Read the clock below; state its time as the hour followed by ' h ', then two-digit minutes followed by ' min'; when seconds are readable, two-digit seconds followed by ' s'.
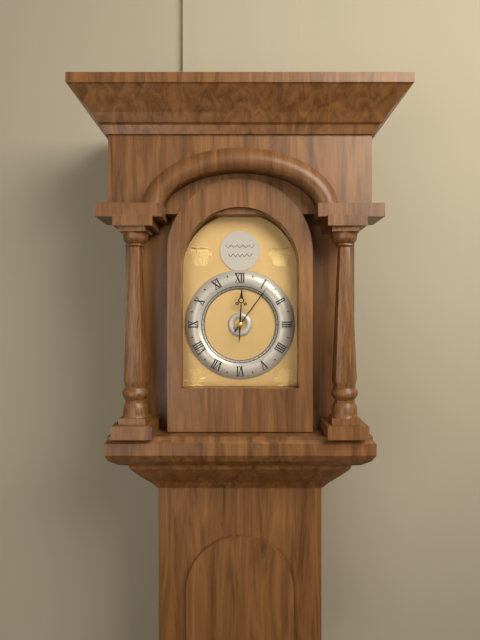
12 h 06 min
